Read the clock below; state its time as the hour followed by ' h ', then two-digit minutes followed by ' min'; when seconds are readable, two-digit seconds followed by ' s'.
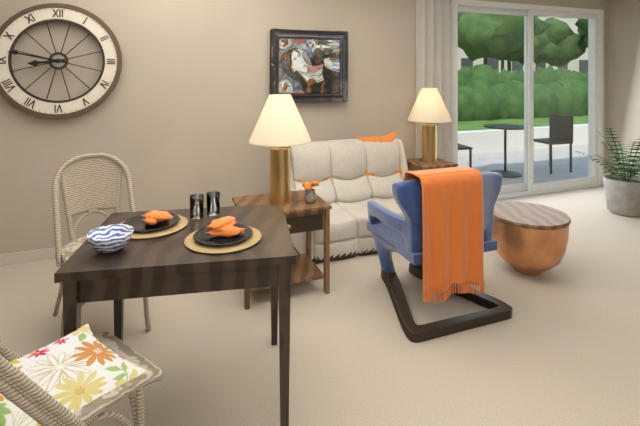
8 h 47 min
